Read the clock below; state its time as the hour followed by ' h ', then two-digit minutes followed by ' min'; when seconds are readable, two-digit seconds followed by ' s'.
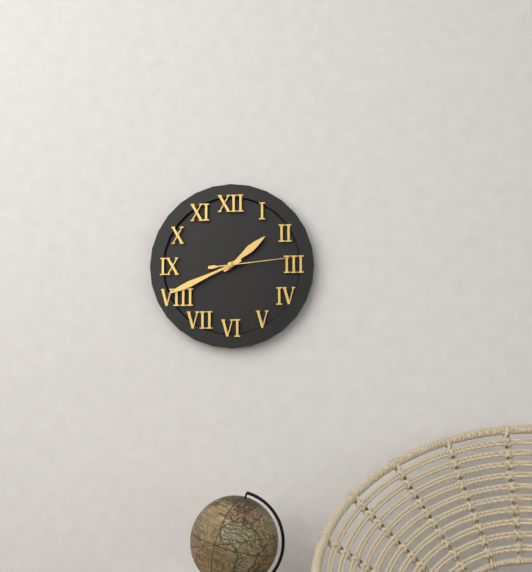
1 h 41 min 14 s
